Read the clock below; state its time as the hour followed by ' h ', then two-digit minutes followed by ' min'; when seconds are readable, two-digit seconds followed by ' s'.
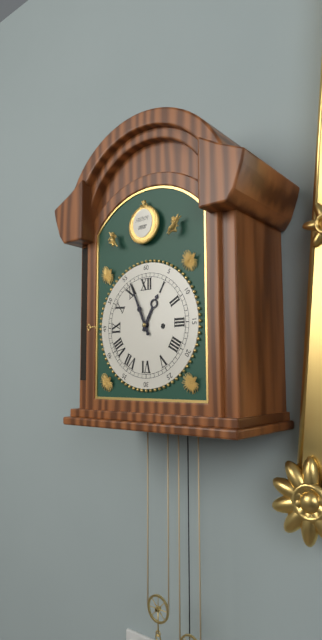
12 h 56 min
